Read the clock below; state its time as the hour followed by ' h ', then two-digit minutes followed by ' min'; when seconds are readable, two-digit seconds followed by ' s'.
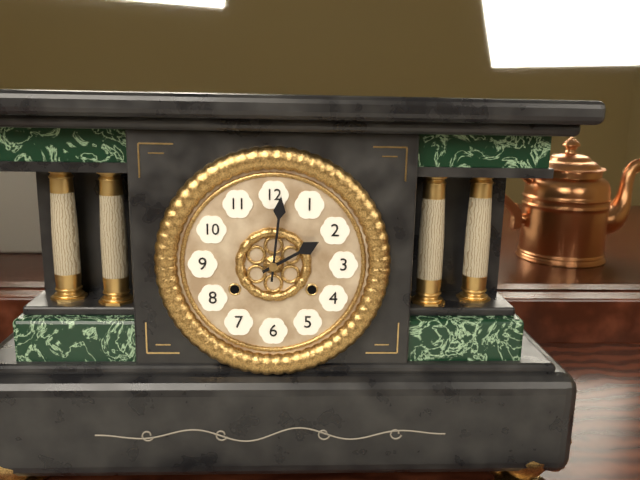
2 h 01 min
